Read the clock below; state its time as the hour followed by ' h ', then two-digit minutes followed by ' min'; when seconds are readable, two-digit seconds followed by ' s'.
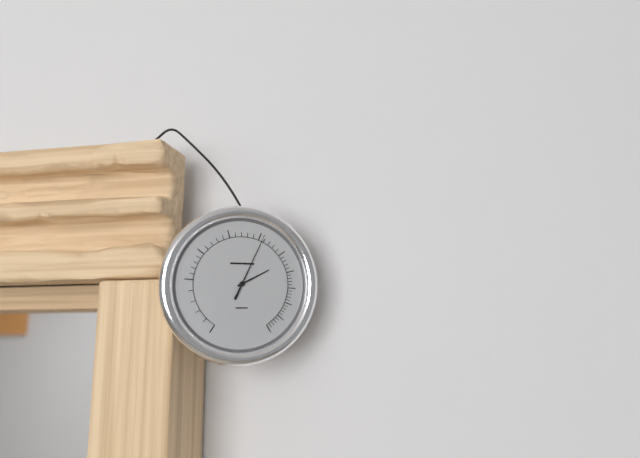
2 h 04 min
